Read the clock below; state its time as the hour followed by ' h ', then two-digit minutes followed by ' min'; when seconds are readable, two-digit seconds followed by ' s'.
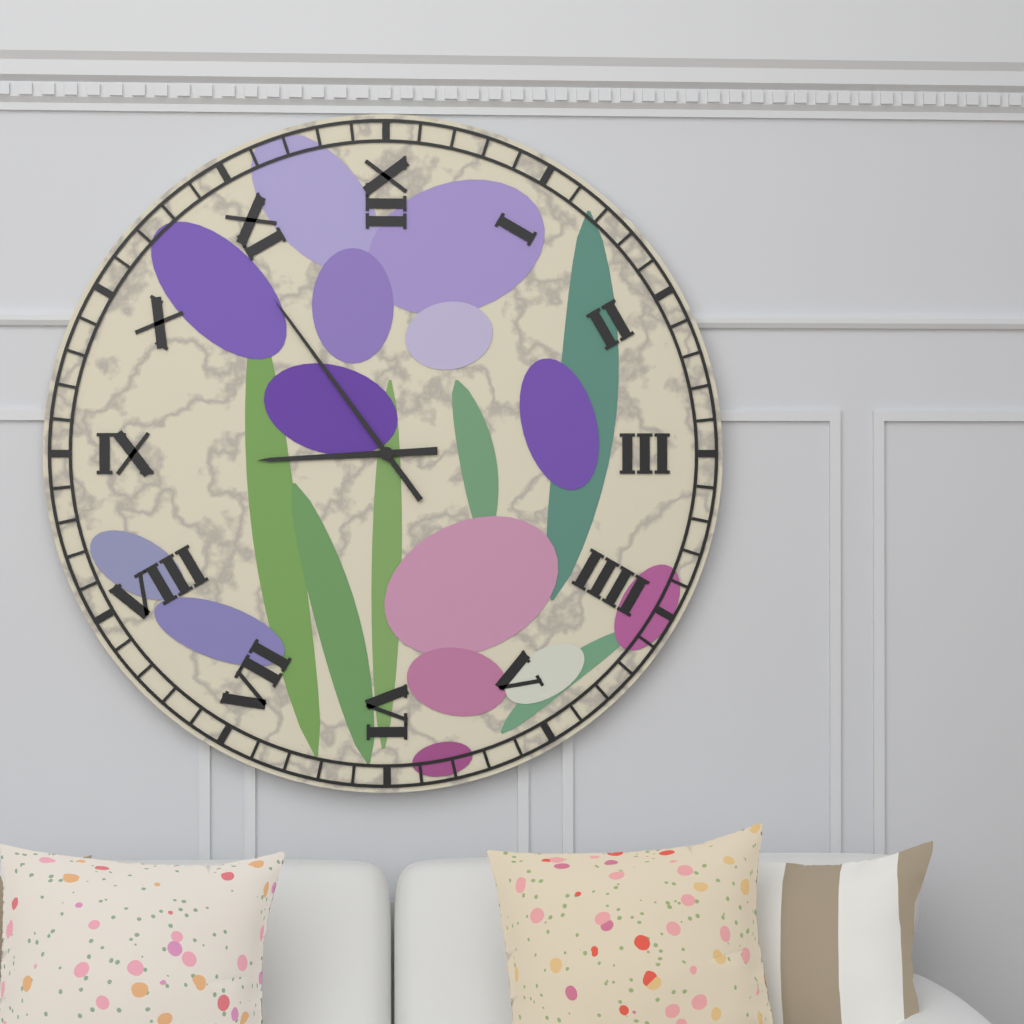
8 h 54 min
